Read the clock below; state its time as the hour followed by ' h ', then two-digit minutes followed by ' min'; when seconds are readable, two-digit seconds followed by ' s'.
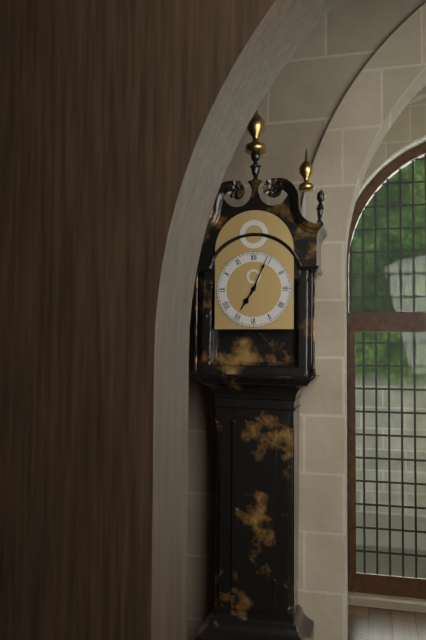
7 h 04 min
